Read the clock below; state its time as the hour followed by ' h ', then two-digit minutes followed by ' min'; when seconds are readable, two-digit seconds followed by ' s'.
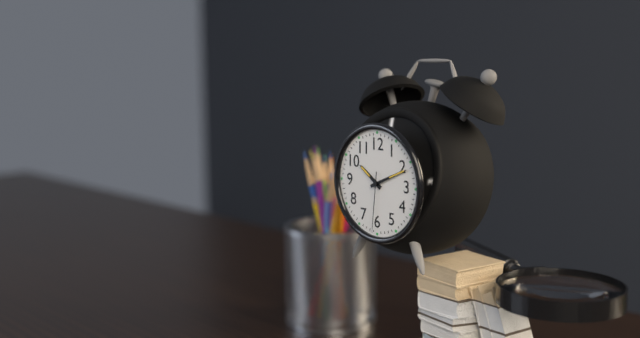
10 h 11 min 31 s
